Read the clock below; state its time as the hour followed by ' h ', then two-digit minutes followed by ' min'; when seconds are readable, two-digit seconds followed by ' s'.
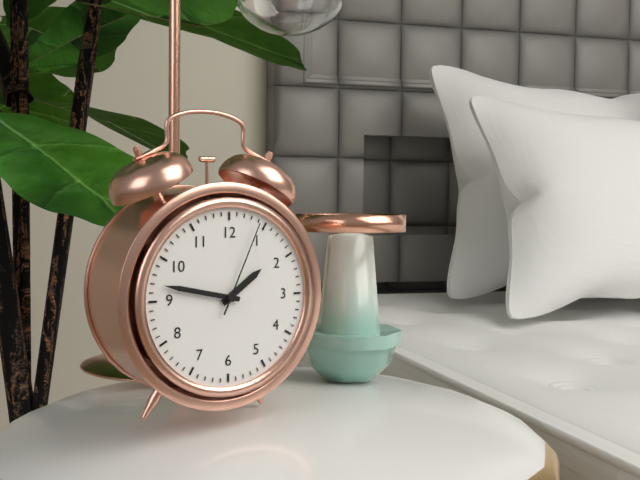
1 h 47 min 04 s
